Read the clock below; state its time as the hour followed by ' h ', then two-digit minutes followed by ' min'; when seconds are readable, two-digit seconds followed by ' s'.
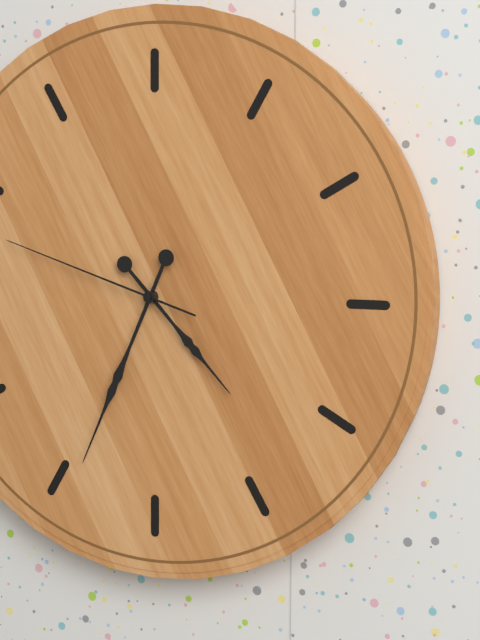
4 h 34 min 48 s
